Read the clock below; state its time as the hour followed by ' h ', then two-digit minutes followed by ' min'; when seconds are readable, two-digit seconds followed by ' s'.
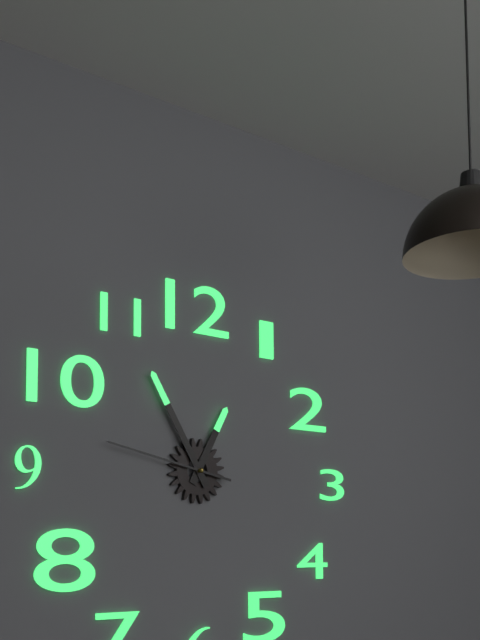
12 h 55 min 47 s
